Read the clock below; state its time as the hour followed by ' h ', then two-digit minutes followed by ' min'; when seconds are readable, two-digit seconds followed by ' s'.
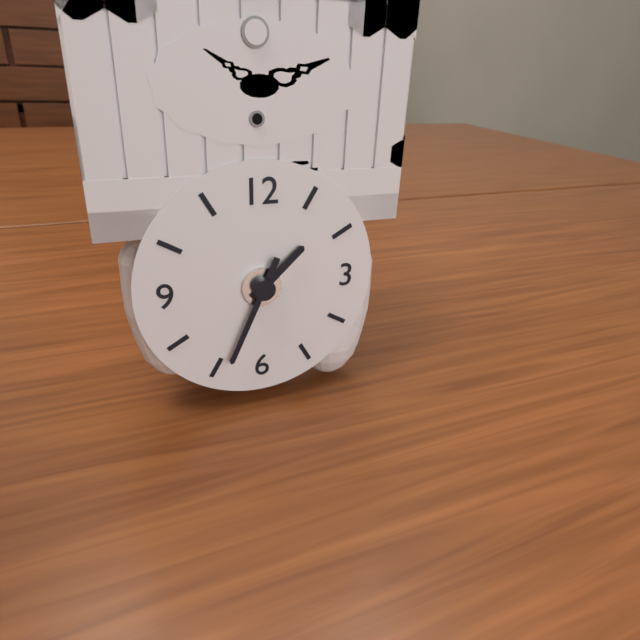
1 h 34 min
